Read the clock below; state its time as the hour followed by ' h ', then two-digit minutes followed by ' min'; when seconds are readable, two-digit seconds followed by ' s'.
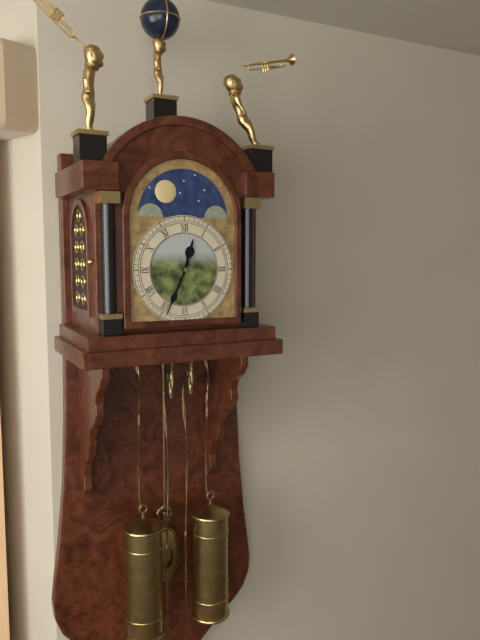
12 h 34 min
